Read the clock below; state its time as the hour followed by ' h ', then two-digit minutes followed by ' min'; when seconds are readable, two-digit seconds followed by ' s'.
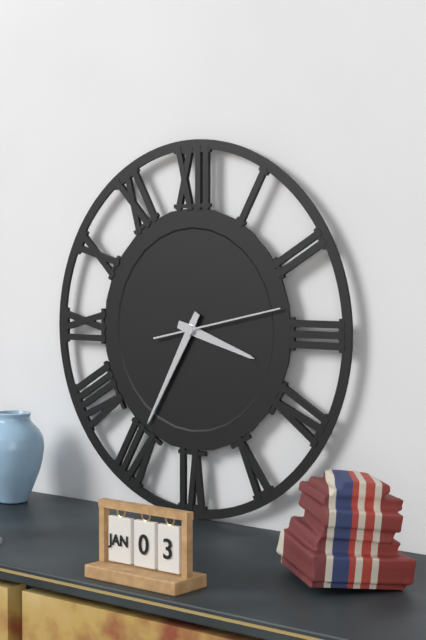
3 h 35 min 13 s
